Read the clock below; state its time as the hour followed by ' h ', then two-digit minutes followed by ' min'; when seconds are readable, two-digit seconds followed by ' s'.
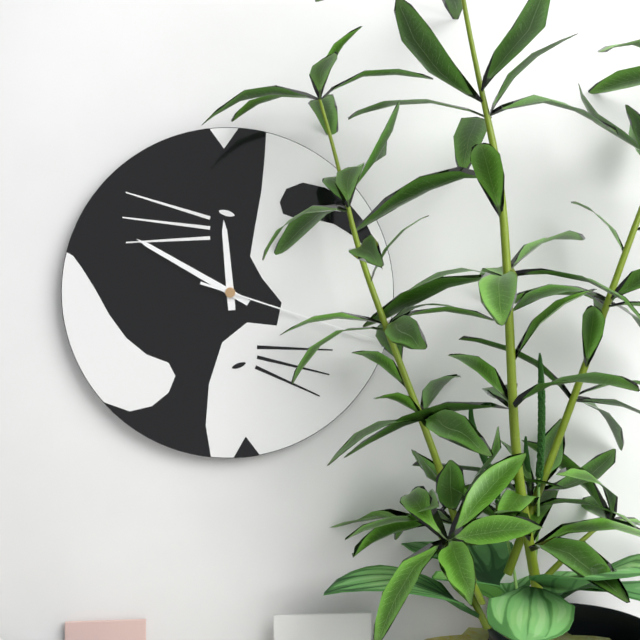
11 h 50 min 18 s
